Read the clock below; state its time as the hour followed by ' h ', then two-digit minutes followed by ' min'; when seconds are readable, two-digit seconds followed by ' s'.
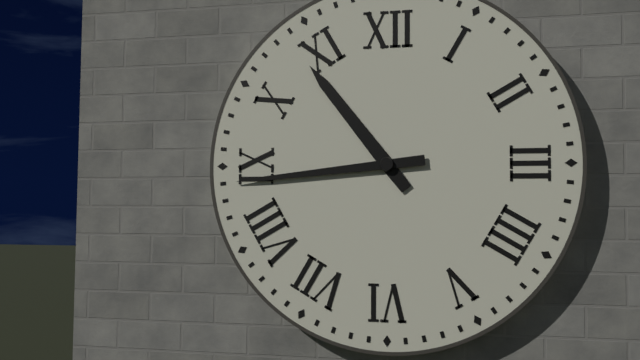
10 h 44 min
